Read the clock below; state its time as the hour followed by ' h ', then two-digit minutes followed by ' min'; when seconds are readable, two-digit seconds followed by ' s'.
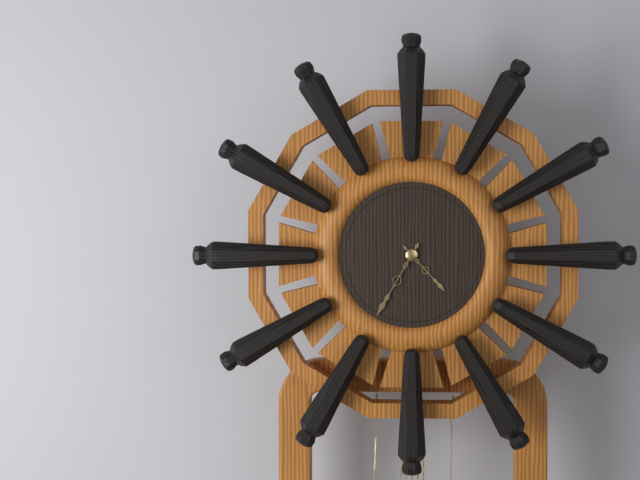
4 h 35 min
